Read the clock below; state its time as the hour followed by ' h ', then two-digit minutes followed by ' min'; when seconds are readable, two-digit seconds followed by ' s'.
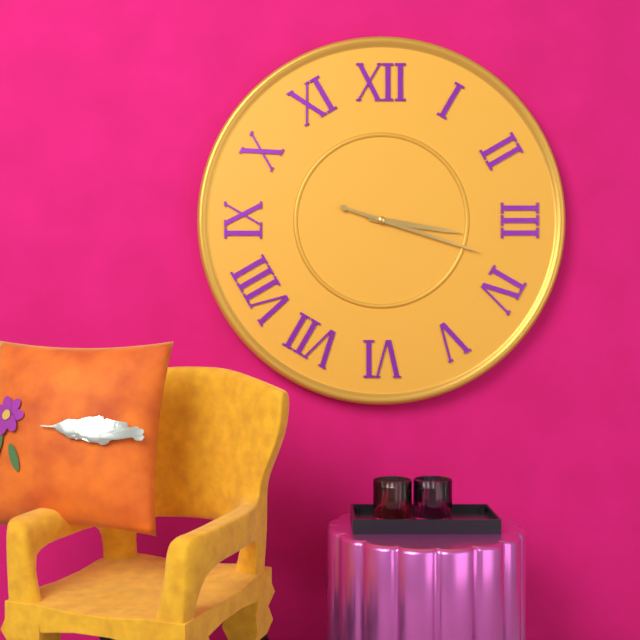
3 h 18 min
